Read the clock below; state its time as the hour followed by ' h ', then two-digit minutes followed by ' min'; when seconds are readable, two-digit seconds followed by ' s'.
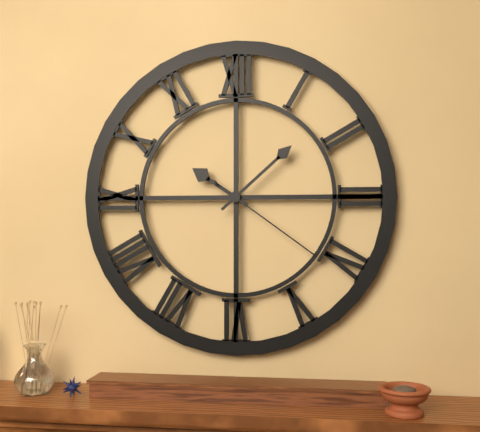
10 h 08 min 21 s
